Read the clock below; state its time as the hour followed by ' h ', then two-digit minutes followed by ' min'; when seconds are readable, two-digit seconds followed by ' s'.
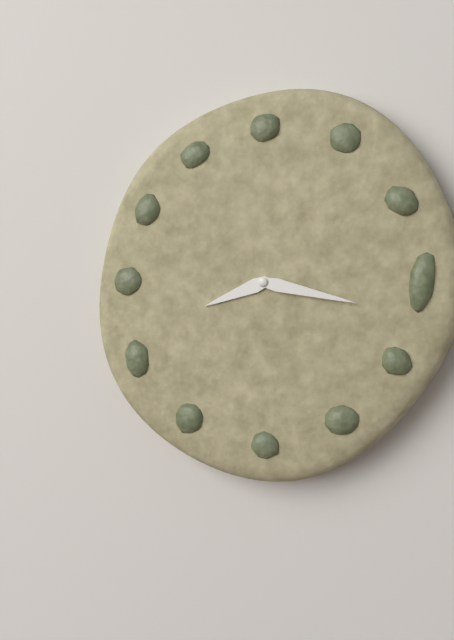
8 h 17 min
